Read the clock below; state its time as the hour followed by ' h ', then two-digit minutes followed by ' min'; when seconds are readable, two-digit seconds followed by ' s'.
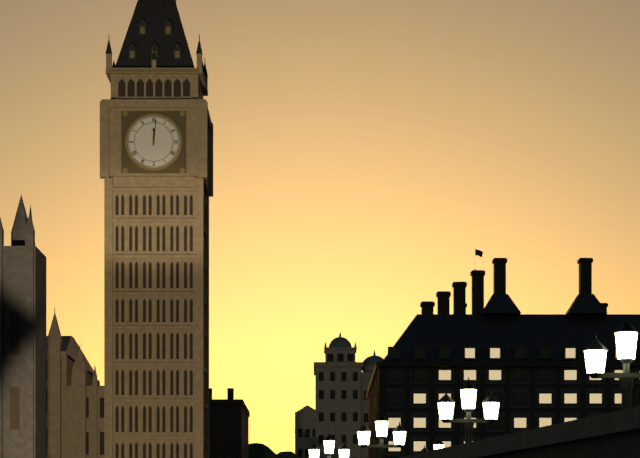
12 h 01 min
